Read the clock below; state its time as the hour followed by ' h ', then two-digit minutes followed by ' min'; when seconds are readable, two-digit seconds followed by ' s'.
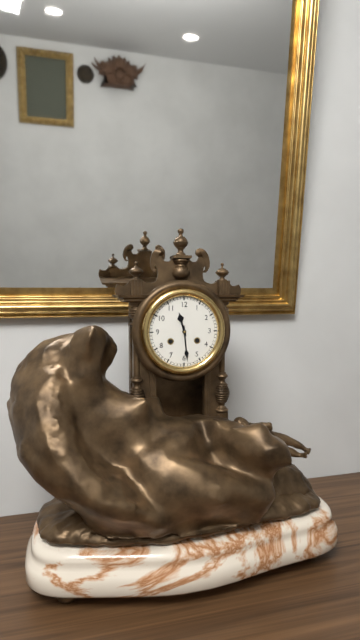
11 h 29 min
